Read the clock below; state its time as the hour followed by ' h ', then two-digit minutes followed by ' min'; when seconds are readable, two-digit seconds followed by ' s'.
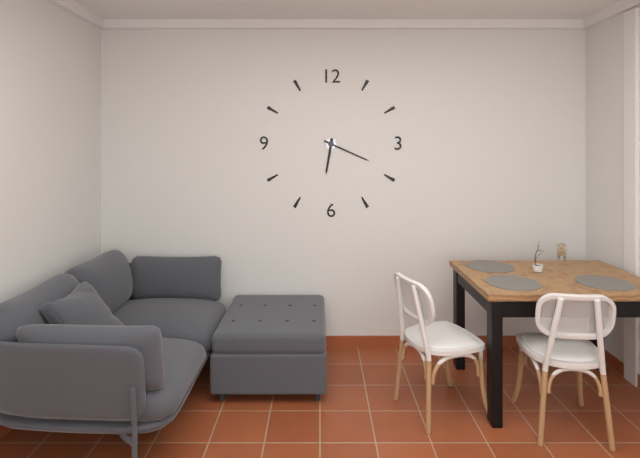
6 h 19 min
